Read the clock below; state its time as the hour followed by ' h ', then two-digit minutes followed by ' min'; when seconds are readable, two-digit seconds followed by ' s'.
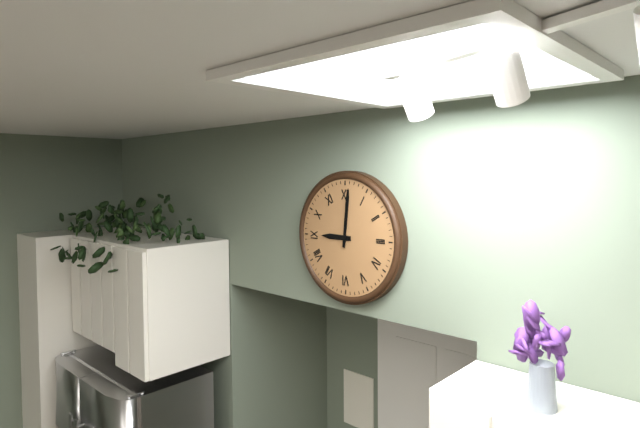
9 h 01 min
